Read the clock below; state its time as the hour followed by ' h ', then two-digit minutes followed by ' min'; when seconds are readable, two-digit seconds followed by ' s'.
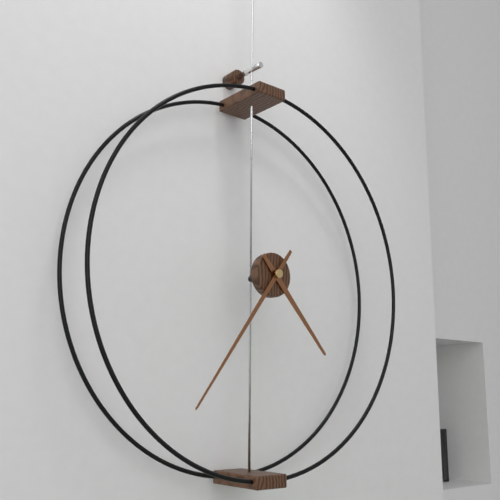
4 h 36 min
